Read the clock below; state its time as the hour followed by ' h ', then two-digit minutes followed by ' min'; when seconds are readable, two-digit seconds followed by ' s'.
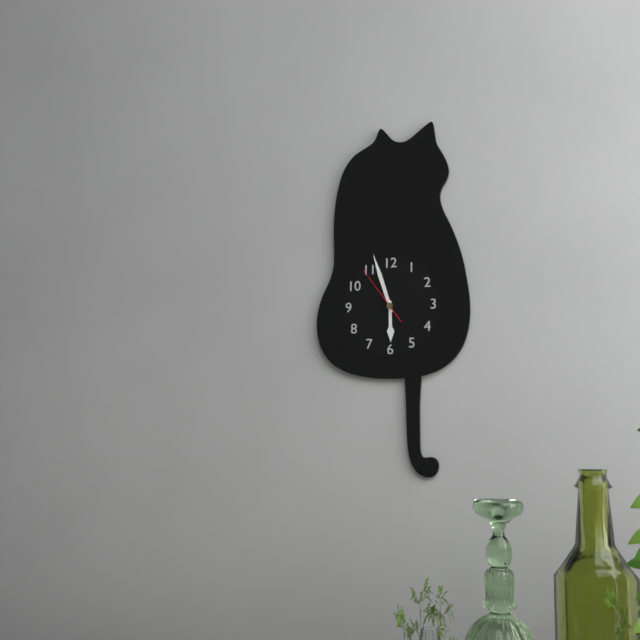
5 h 57 min 54 s
